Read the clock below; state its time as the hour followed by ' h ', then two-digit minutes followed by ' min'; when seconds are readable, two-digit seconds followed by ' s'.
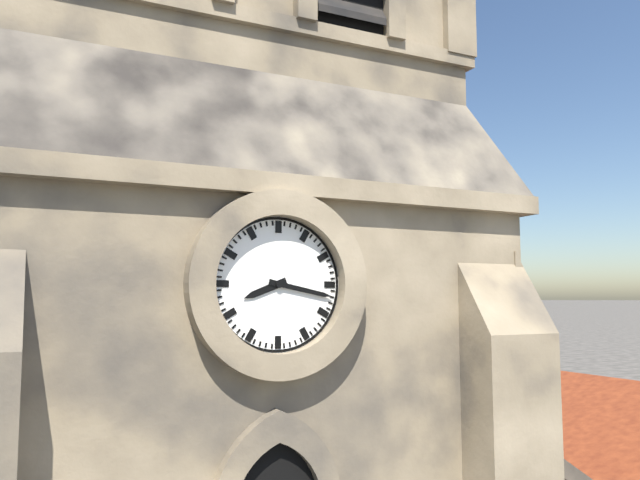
8 h 17 min
